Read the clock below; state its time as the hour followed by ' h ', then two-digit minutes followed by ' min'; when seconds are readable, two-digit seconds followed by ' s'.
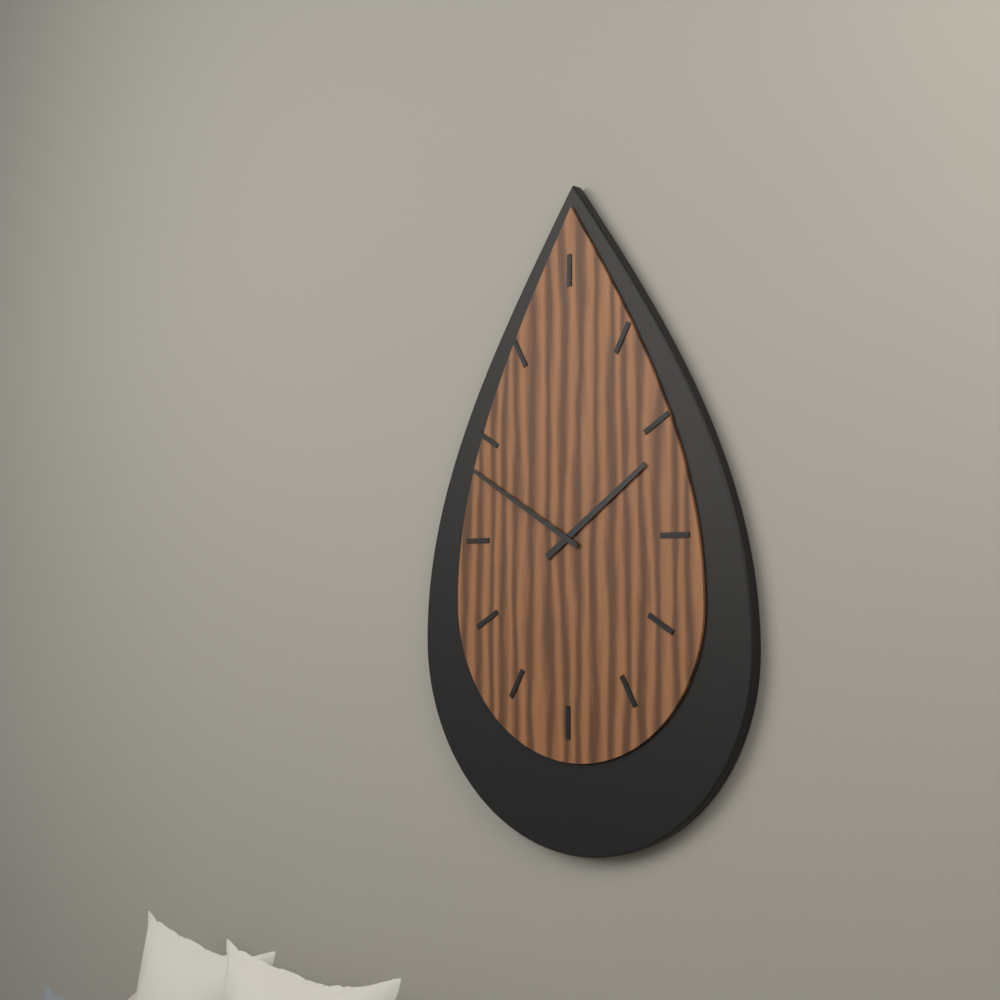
1 h 50 min
